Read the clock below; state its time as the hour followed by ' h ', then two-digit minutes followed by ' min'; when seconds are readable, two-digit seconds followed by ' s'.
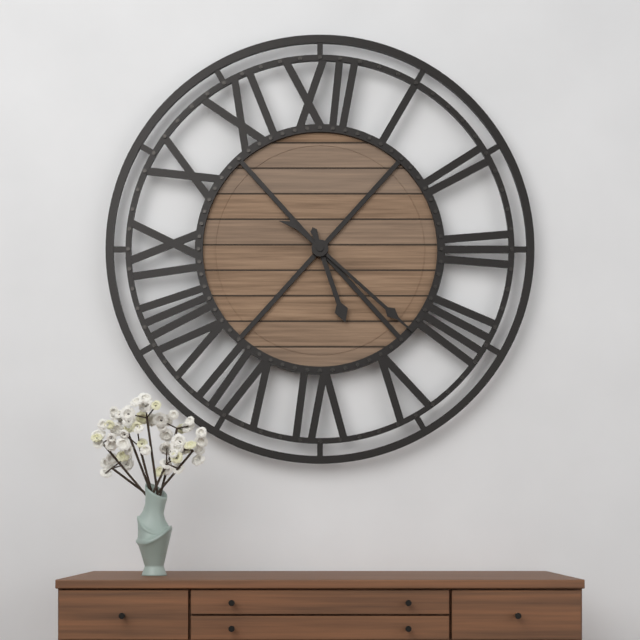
5 h 22 min
